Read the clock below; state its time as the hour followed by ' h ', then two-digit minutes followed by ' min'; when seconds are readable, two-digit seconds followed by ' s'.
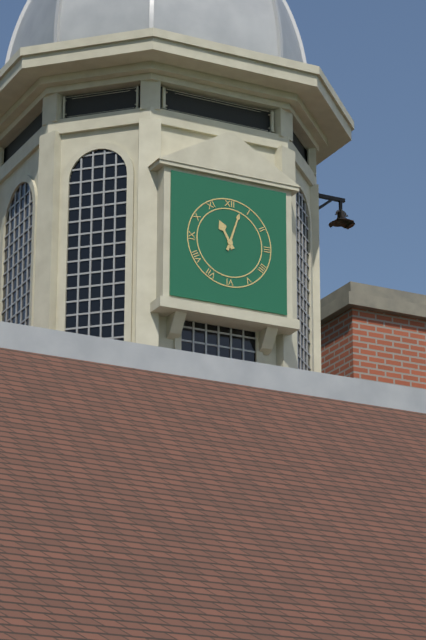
11 h 03 min
